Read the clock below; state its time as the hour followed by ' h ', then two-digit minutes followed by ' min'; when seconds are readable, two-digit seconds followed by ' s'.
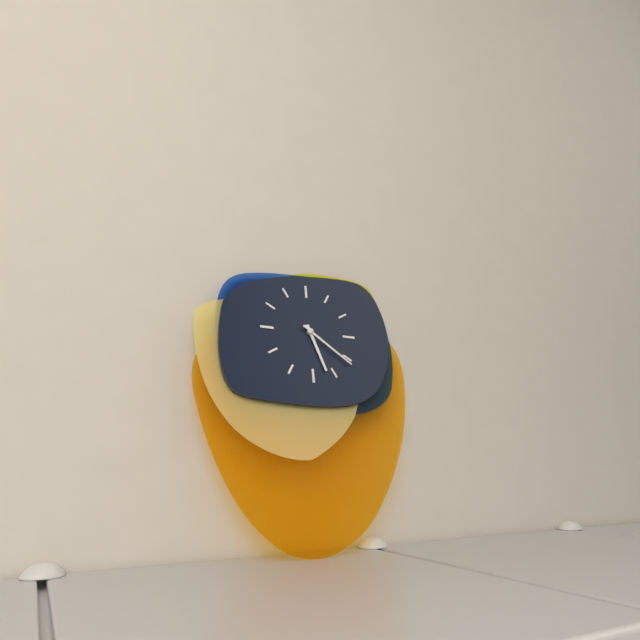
5 h 21 min
